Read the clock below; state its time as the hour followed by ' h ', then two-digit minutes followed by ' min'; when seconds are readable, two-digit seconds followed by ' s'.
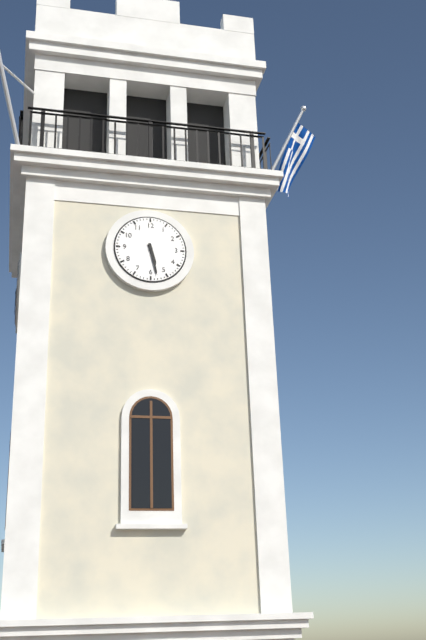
5 h 28 min
